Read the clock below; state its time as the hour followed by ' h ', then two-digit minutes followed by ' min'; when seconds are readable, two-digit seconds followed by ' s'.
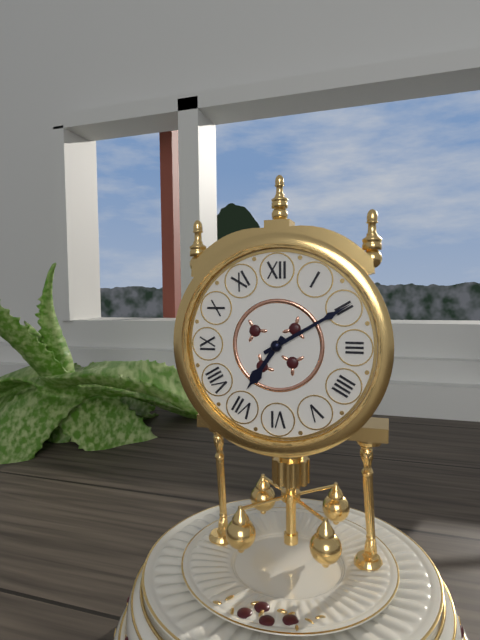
7 h 10 min
